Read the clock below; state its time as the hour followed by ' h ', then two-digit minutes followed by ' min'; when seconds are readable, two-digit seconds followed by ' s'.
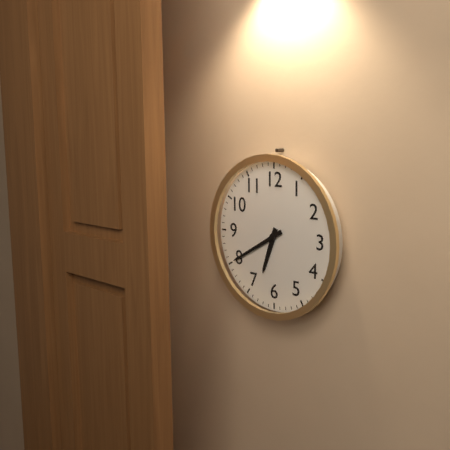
6 h 40 min
